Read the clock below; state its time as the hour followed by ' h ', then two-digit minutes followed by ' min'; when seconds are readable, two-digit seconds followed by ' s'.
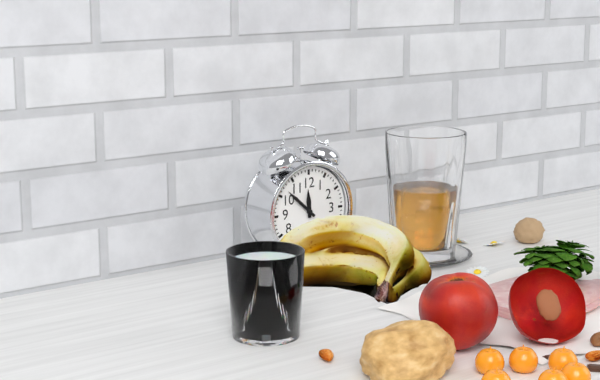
11 h 52 min
